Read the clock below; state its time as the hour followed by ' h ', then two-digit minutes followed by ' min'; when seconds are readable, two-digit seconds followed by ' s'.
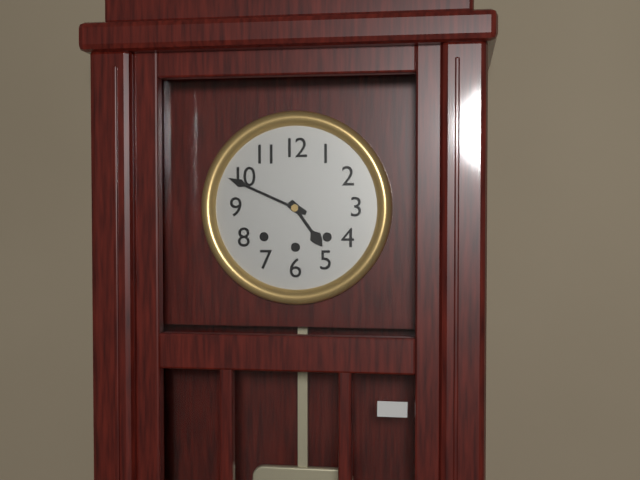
4 h 49 min
